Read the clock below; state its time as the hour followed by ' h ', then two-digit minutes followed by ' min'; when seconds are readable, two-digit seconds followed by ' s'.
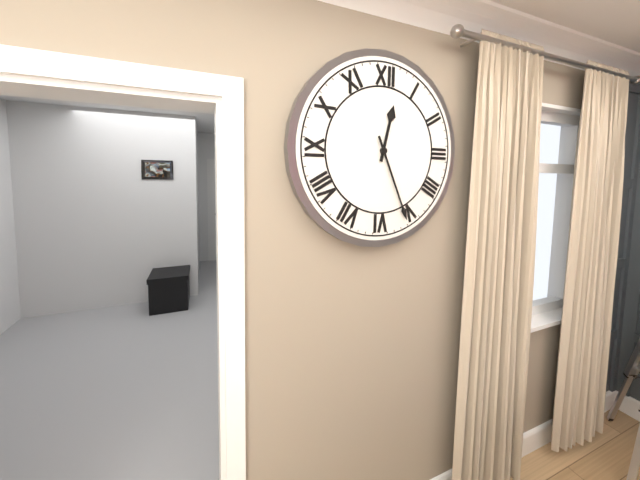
12 h 26 min
